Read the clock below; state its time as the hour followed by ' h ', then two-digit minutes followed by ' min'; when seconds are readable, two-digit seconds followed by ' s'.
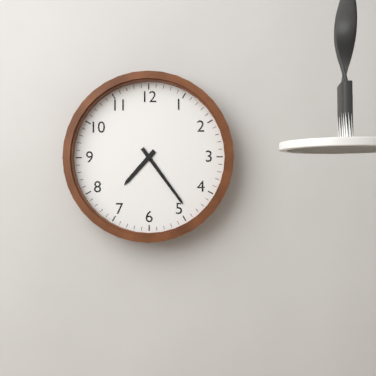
7 h 24 min
